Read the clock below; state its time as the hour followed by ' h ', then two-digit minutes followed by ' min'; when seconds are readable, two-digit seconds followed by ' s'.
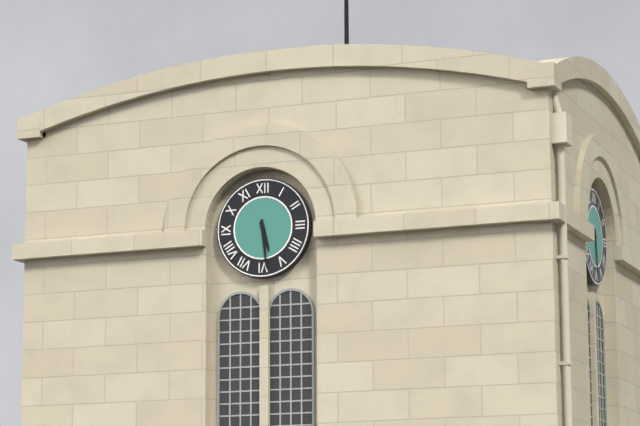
5 h 29 min
